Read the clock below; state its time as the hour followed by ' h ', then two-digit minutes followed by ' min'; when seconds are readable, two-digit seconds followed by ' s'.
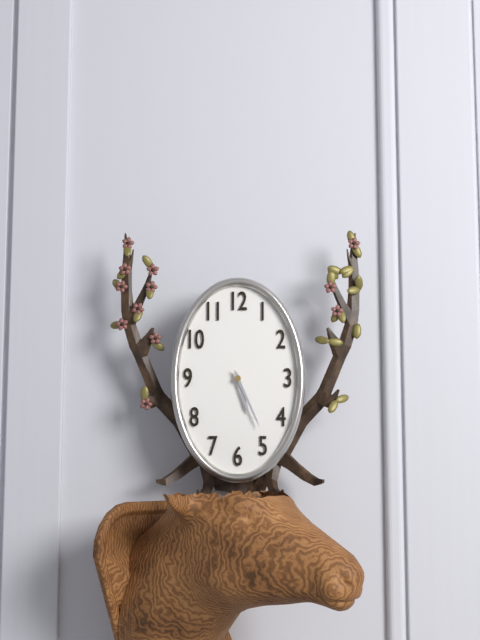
5 h 26 min
